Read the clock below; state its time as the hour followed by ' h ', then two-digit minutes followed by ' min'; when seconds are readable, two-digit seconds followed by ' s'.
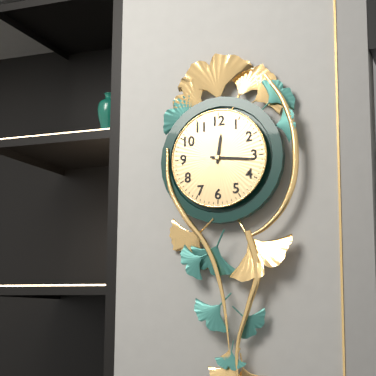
12 h 16 min
